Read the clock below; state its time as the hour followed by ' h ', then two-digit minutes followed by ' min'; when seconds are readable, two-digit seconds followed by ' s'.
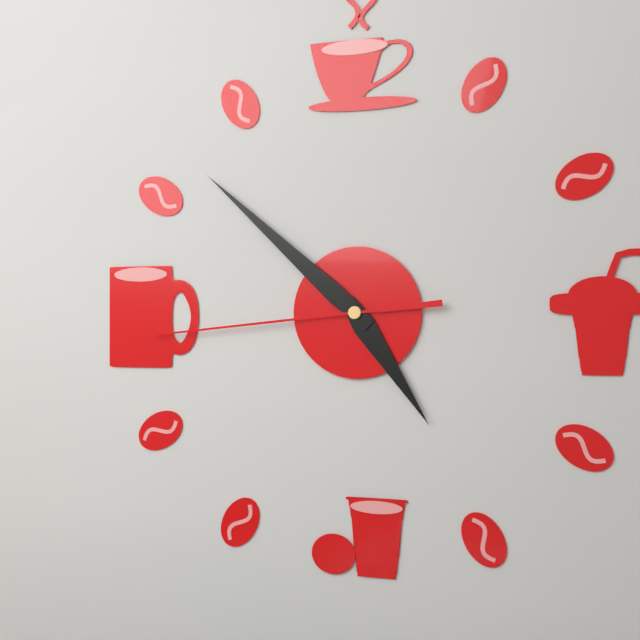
4 h 52 min 44 s
